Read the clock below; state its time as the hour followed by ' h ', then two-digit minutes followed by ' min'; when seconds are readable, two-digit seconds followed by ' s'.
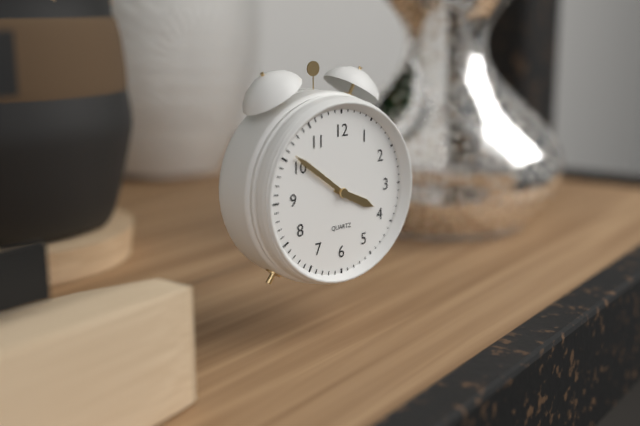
3 h 51 min
